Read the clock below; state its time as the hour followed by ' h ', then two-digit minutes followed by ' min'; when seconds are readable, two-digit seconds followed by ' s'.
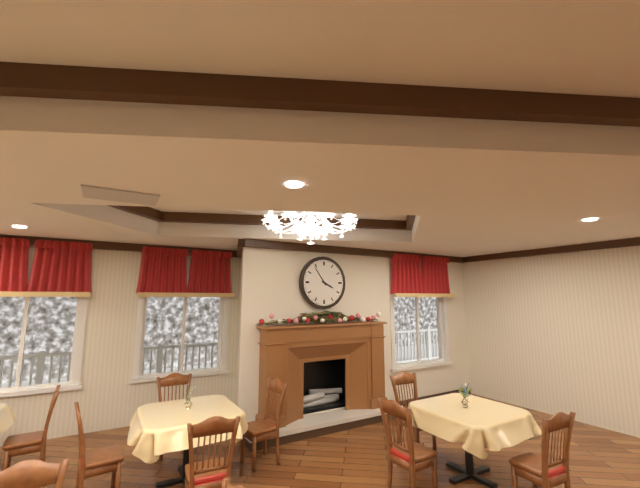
3 h 54 min
